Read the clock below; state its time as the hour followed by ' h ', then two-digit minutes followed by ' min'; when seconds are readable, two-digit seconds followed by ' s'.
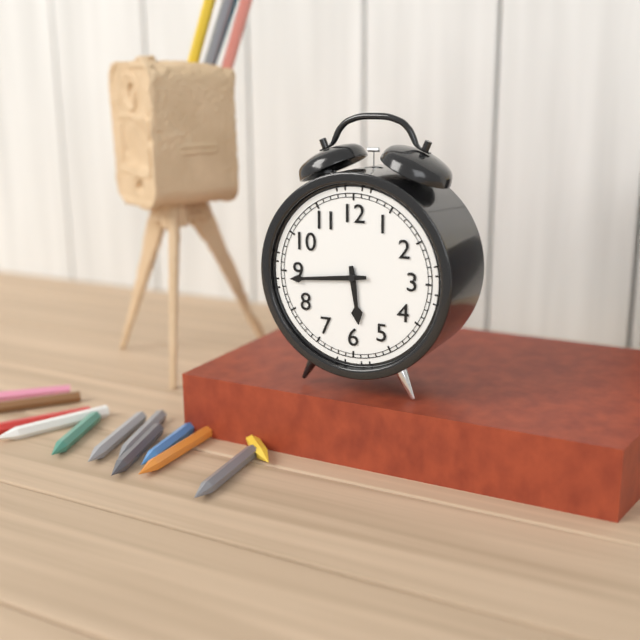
5 h 44 min
